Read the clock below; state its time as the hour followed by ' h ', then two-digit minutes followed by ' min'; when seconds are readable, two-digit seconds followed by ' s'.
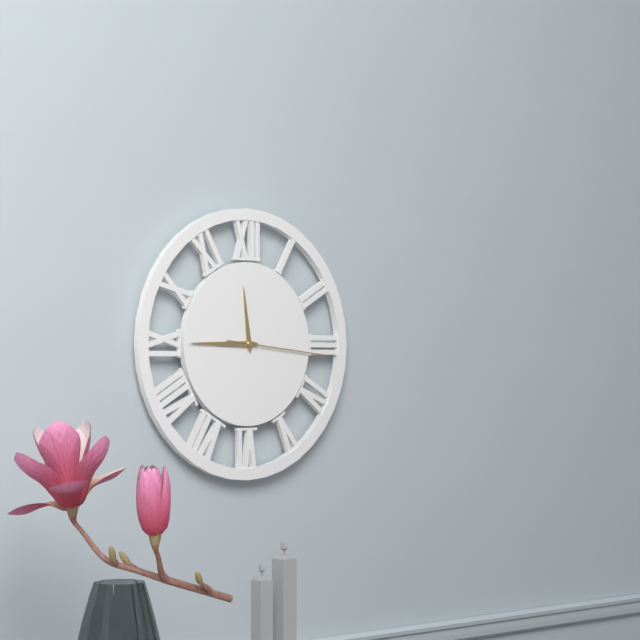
11 h 45 min 16 s
